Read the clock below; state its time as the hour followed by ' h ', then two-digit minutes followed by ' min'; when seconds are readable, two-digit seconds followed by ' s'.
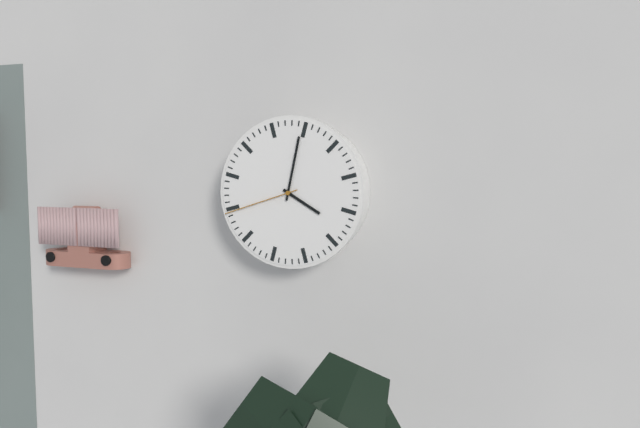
4 h 02 min 42 s
